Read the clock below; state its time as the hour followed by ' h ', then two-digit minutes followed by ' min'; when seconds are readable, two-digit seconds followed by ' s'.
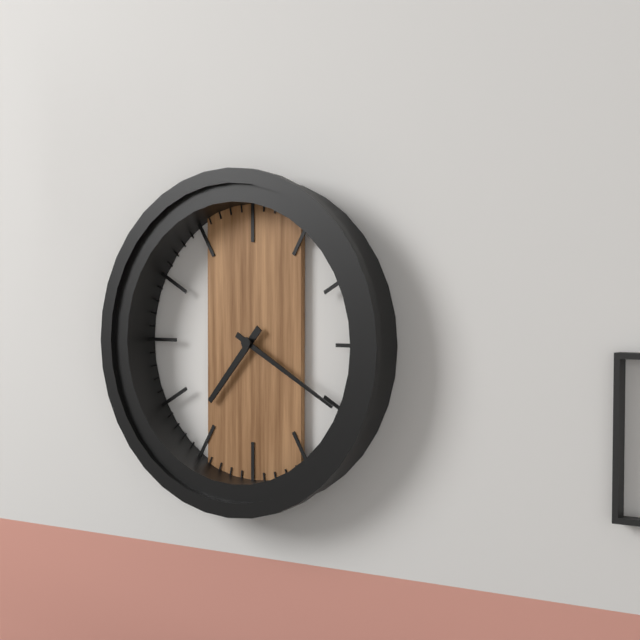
7 h 20 min
